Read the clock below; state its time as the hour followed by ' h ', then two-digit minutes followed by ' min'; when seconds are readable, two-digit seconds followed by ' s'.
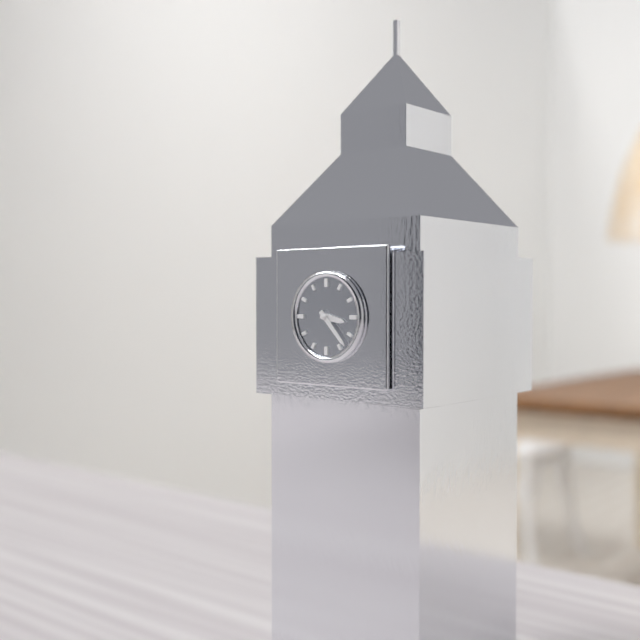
3 h 23 min
